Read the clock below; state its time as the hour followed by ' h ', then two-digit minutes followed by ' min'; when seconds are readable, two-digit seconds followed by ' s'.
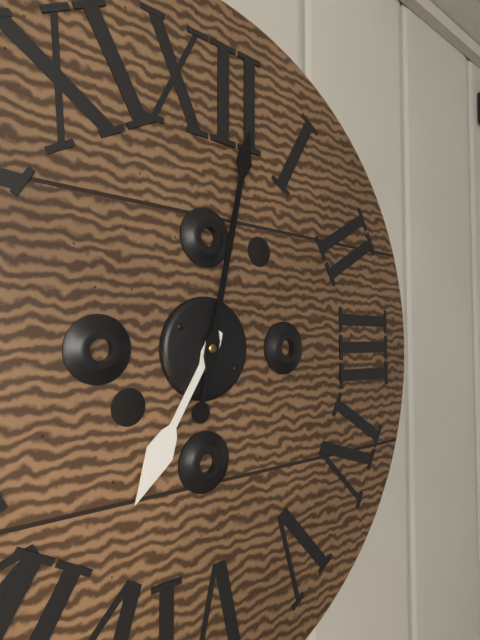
7 h 02 min
